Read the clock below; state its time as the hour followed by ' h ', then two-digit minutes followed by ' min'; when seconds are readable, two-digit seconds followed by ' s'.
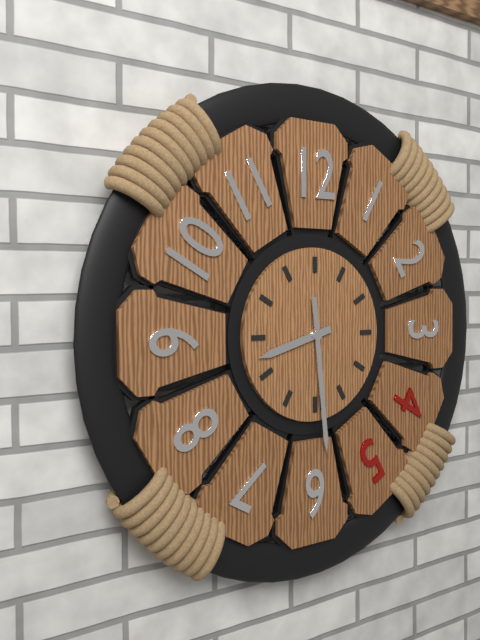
8 h 29 min
